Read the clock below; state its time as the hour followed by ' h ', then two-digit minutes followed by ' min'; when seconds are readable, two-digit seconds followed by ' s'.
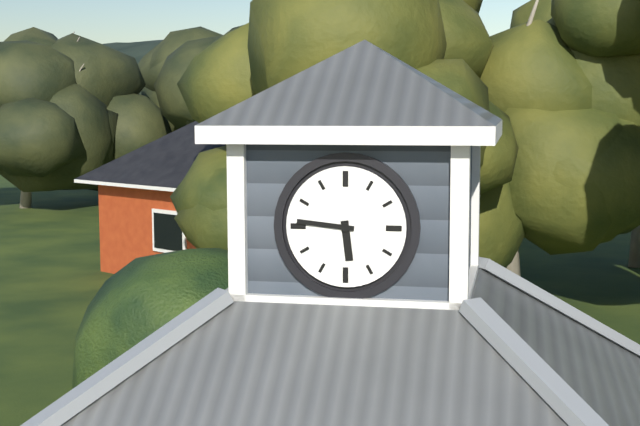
5 h 46 min
